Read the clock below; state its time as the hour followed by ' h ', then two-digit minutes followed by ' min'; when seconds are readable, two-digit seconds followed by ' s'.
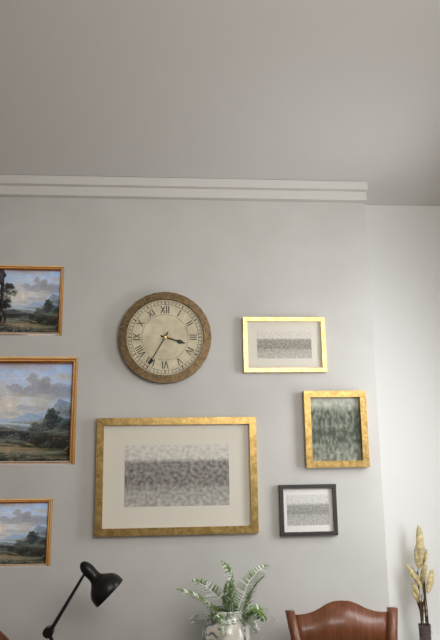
3 h 35 min
